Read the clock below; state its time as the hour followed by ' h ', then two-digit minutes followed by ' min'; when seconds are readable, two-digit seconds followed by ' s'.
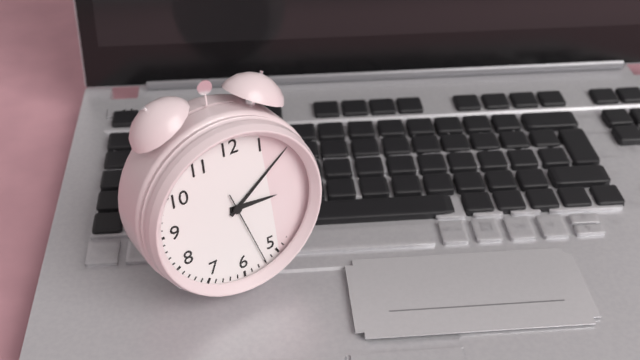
3 h 09 min 27 s
